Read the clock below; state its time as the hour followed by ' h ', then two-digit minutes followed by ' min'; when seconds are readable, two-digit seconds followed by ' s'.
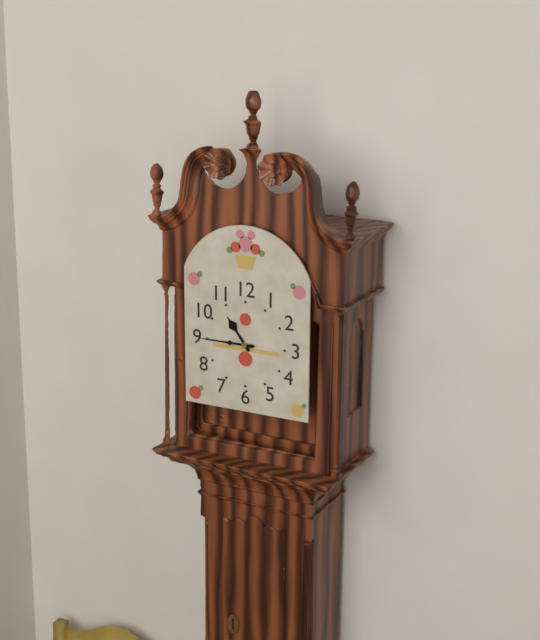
10 h 45 min
